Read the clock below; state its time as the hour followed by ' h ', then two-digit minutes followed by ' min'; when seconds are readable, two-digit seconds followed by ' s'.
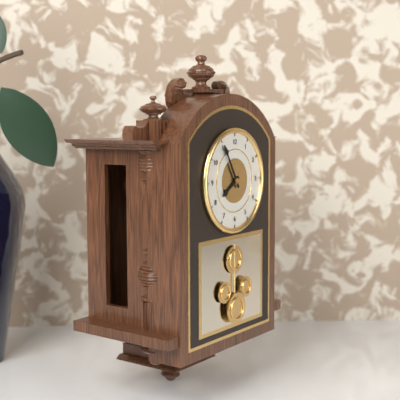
7 h 55 min
